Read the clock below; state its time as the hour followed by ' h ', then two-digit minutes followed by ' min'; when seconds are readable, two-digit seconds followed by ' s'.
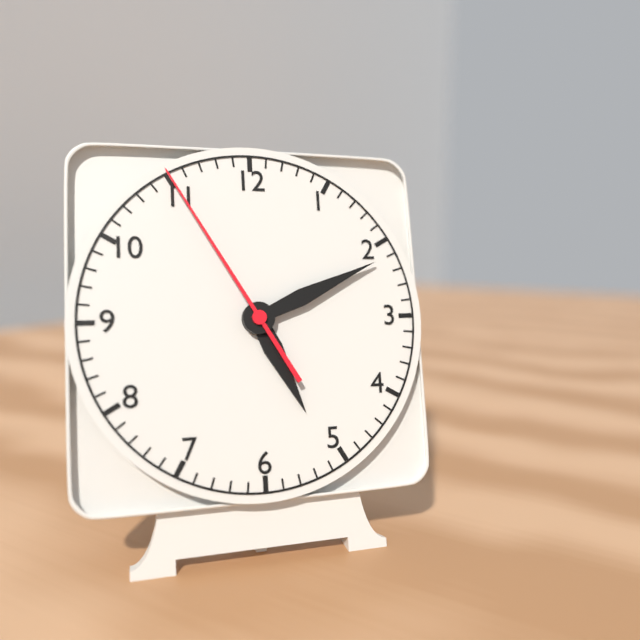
5 h 11 min 55 s
